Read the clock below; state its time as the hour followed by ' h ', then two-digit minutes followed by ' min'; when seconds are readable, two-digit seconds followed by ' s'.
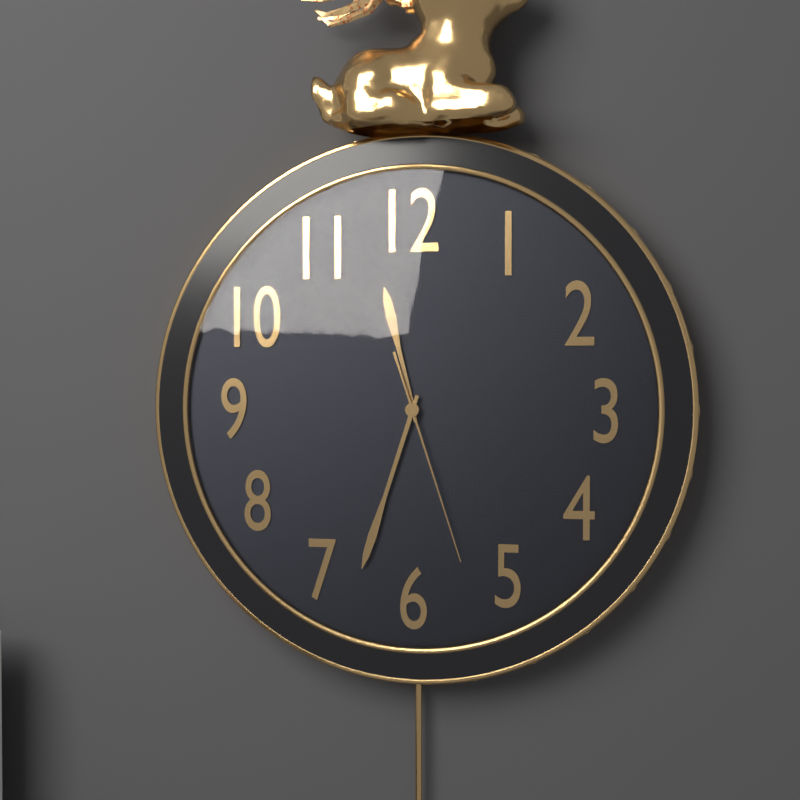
11 h 33 min 27 s
